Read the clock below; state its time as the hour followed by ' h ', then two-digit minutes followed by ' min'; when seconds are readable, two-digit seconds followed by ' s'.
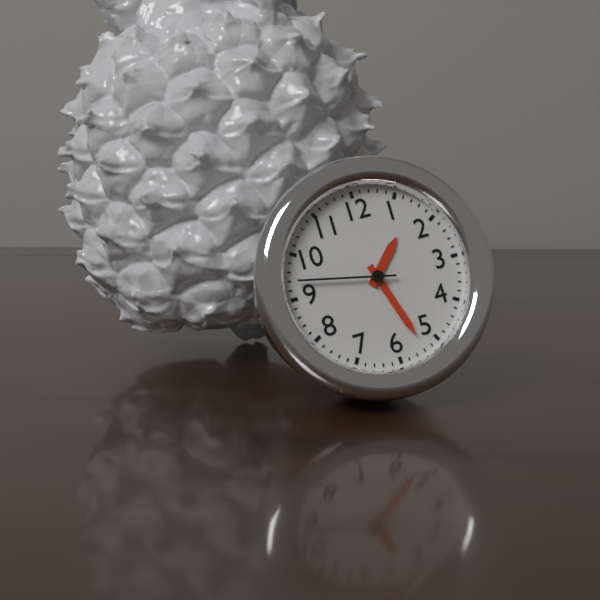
1 h 27 min 47 s
